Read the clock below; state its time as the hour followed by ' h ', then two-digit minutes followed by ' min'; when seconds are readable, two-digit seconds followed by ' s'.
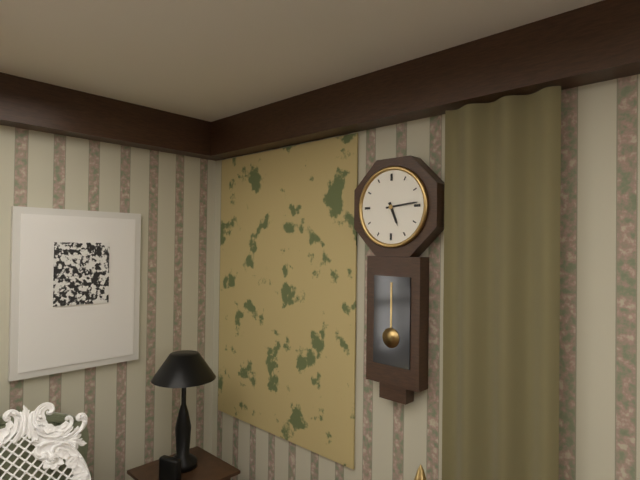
5 h 14 min
